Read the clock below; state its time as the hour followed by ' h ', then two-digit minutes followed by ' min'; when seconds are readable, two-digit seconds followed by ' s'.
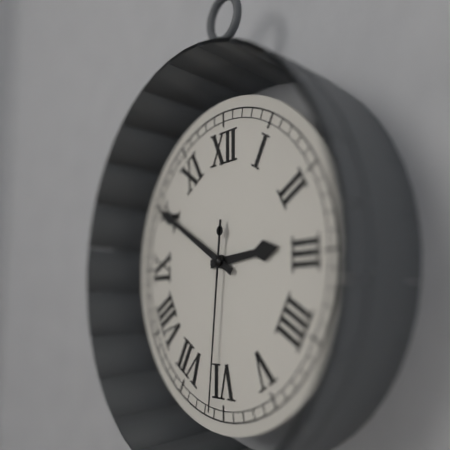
2 h 50 min 31 s
